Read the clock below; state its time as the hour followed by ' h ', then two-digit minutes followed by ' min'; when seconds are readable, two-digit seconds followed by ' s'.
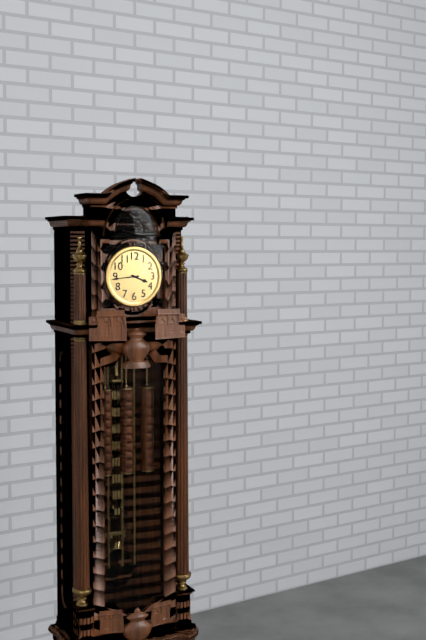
3 h 44 min
